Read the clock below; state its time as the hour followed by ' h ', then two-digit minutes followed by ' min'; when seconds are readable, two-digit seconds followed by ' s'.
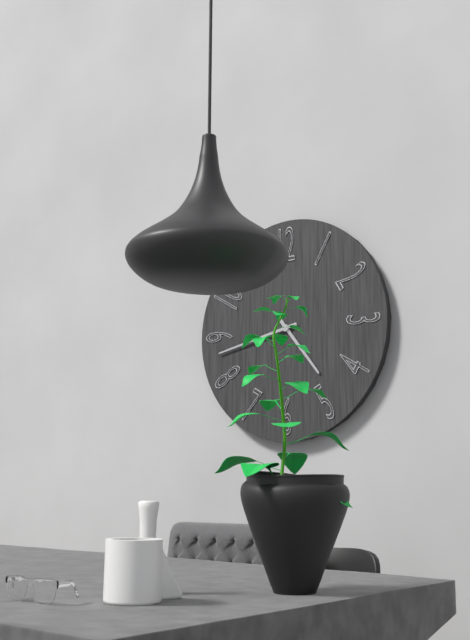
4 h 43 min
